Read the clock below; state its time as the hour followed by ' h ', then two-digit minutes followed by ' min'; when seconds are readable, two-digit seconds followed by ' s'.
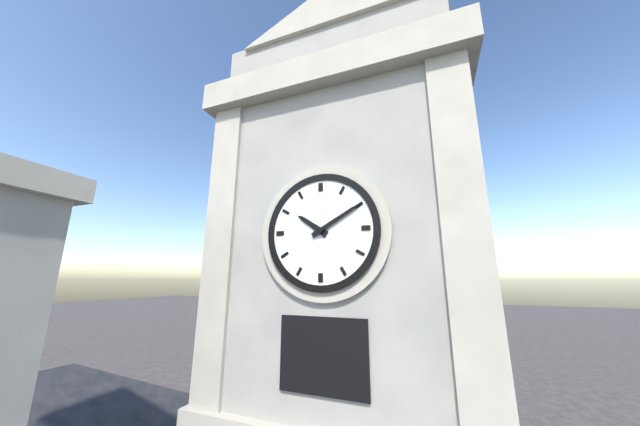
10 h 10 min
